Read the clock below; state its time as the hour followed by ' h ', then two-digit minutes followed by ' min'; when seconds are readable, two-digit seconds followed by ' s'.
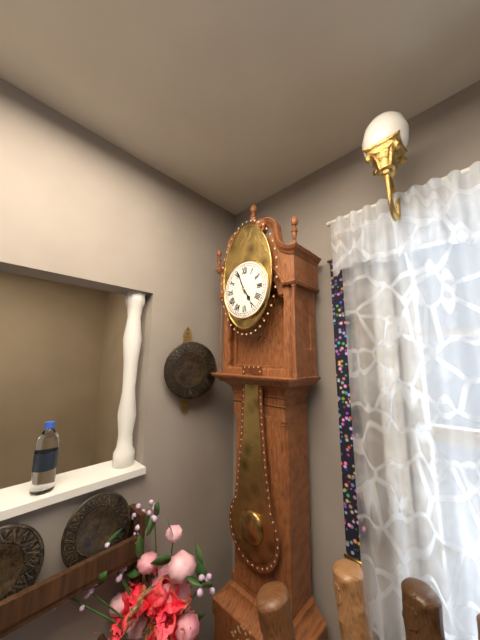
4 h 56 min
